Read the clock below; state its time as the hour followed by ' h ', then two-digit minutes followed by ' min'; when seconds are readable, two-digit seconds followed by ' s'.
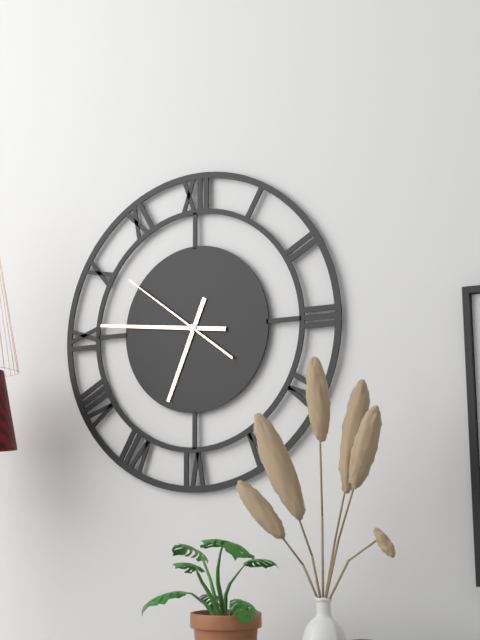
6 h 46 min 51 s
